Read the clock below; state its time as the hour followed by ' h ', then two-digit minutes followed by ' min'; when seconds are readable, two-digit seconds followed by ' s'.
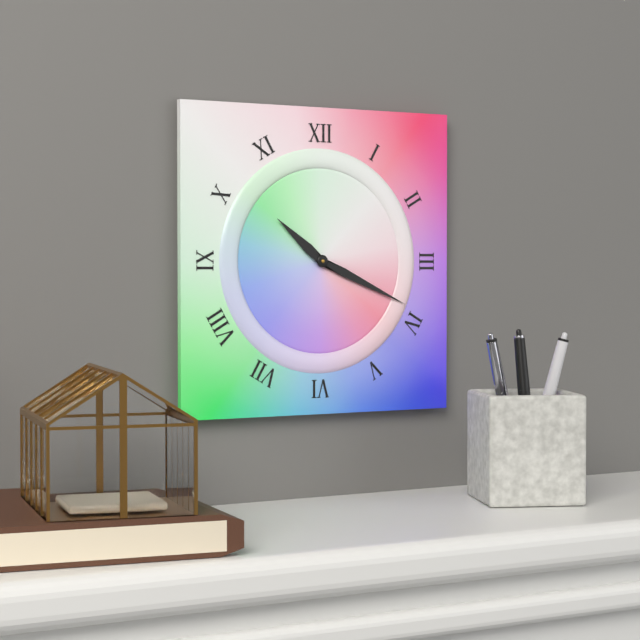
10 h 19 min
